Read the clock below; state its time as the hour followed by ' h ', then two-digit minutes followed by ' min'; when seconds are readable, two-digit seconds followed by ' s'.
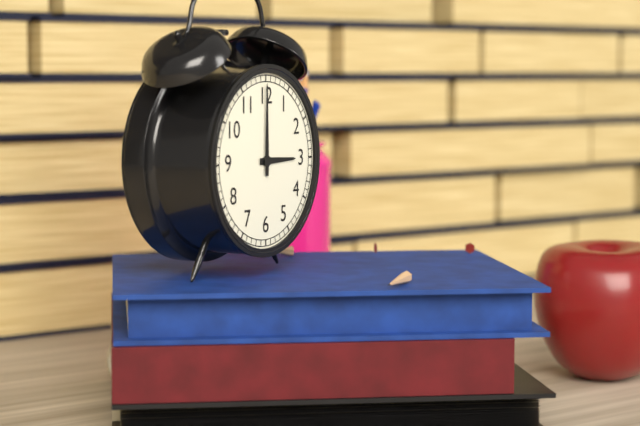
3 h 00 min
